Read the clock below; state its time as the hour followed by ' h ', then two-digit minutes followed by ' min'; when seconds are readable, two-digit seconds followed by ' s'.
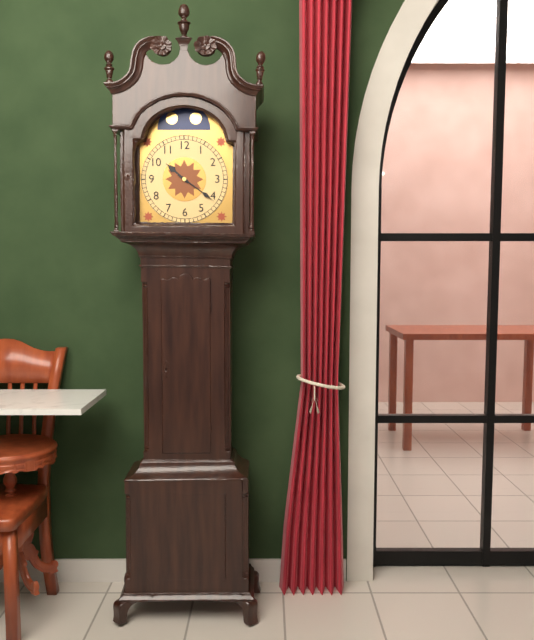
10 h 21 min
